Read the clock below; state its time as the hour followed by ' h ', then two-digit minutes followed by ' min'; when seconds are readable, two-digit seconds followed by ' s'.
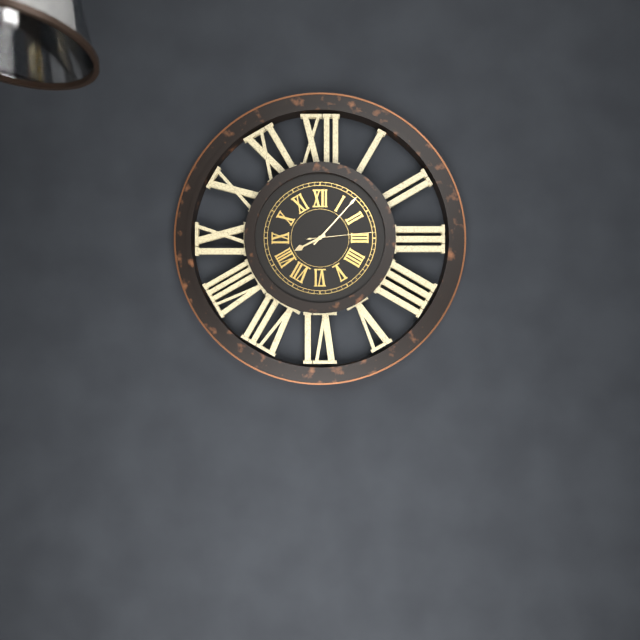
8 h 07 min 14 s
